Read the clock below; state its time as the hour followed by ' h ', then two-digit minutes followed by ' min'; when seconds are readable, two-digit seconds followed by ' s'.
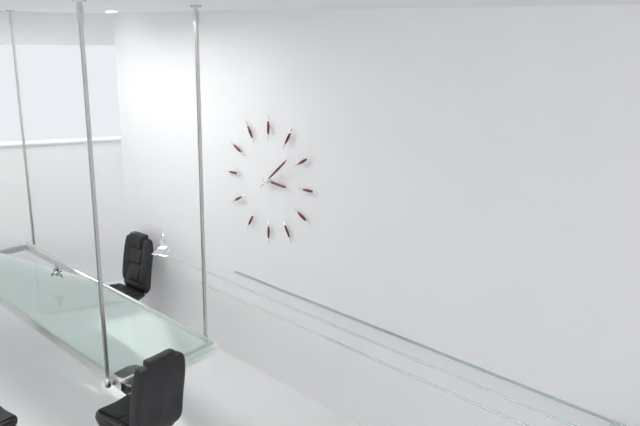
3 h 08 min
